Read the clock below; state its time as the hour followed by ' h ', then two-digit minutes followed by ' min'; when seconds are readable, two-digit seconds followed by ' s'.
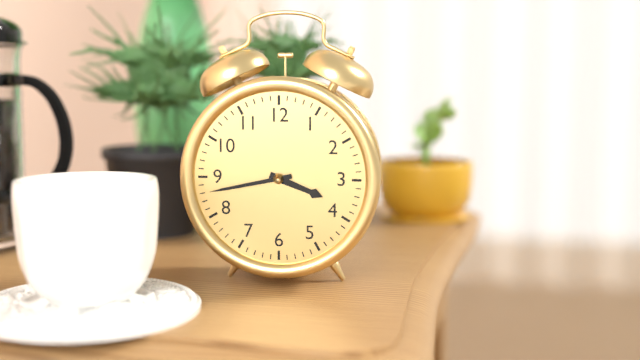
3 h 43 min
